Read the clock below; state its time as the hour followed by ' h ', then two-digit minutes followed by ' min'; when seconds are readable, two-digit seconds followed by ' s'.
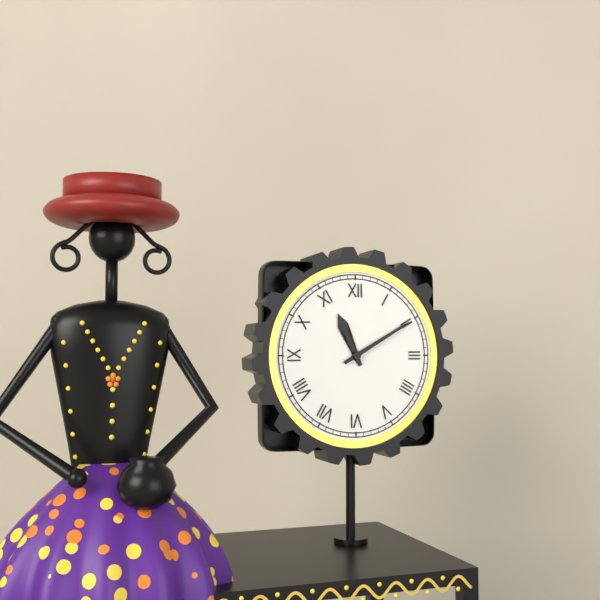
11 h 10 min
